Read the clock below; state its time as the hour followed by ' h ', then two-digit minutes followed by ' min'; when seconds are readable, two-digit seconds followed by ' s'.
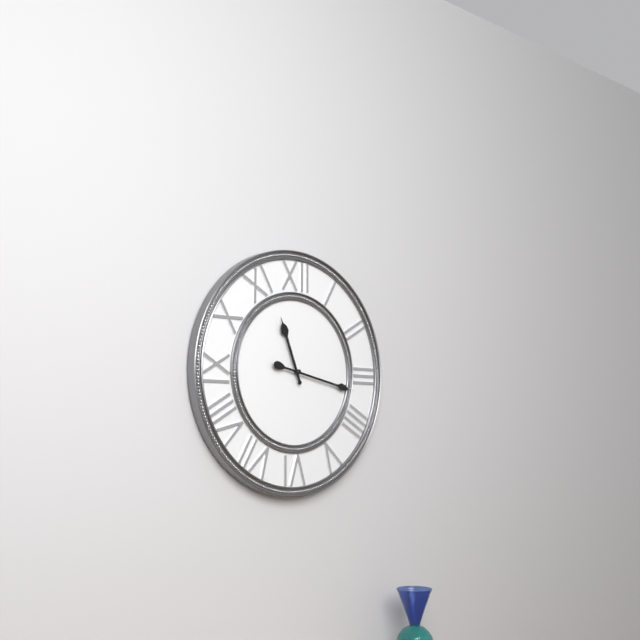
11 h 17 min
